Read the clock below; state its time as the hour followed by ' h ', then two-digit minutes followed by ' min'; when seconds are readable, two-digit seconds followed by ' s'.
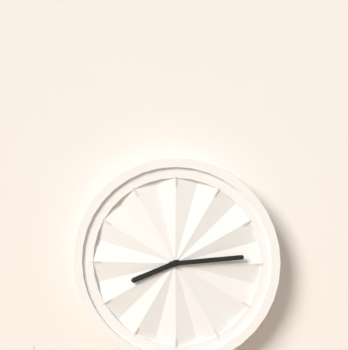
8 h 14 min
